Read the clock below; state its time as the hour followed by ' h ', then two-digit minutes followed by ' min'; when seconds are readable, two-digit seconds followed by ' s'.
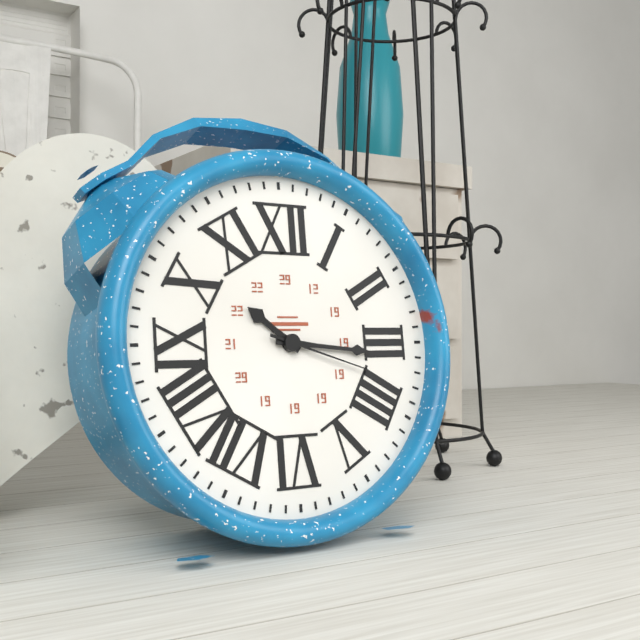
10 h 16 min 18 s
